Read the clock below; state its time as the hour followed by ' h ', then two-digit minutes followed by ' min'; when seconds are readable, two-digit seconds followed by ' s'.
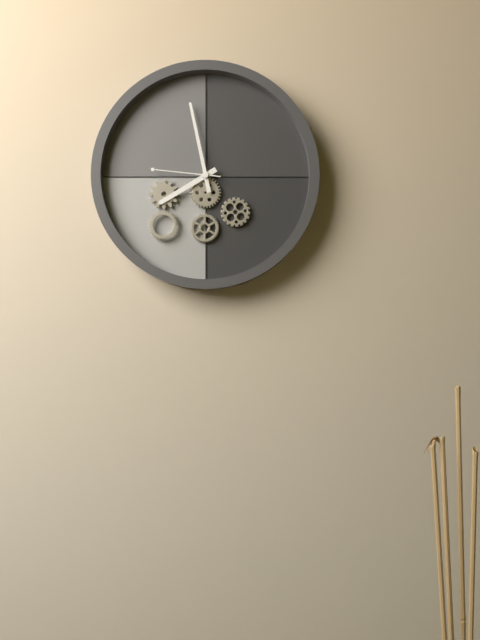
7 h 58 min 46 s
